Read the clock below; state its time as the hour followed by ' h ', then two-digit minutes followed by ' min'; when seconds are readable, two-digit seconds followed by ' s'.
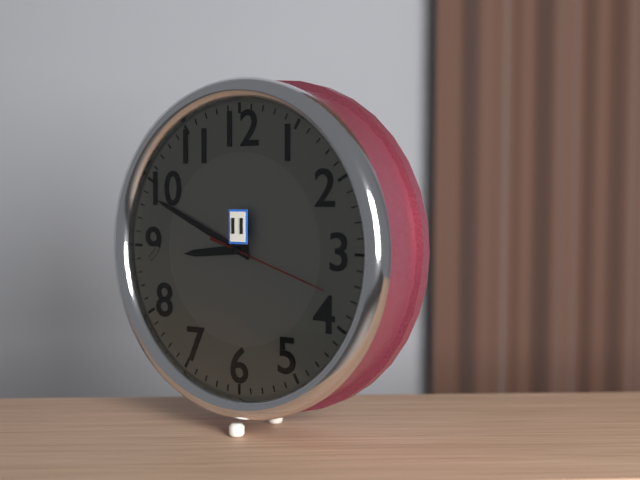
8 h 49 min 18 s
